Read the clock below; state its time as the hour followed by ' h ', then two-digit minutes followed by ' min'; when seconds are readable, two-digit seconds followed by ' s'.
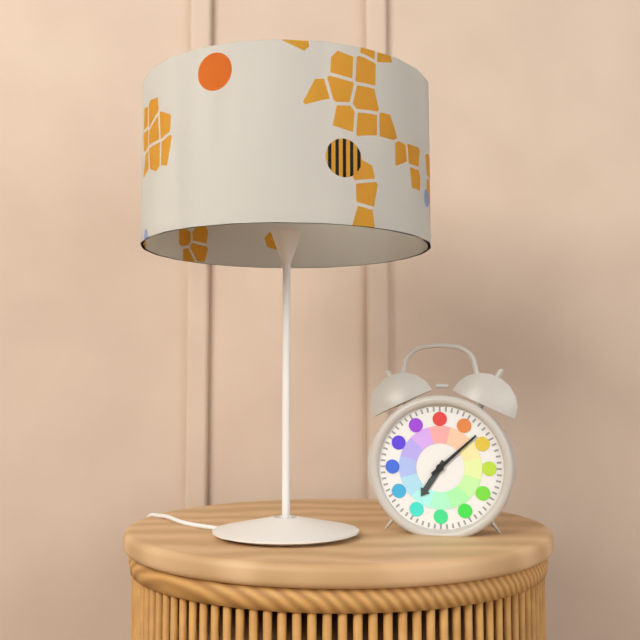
7 h 08 min
